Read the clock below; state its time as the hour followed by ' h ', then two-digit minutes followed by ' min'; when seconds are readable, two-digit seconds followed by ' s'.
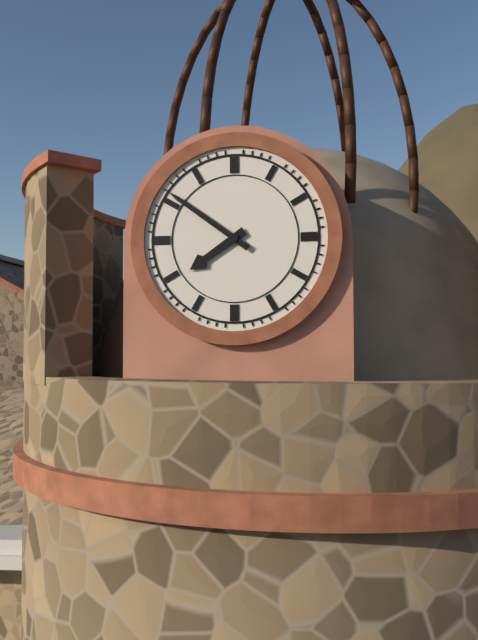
7 h 51 min
